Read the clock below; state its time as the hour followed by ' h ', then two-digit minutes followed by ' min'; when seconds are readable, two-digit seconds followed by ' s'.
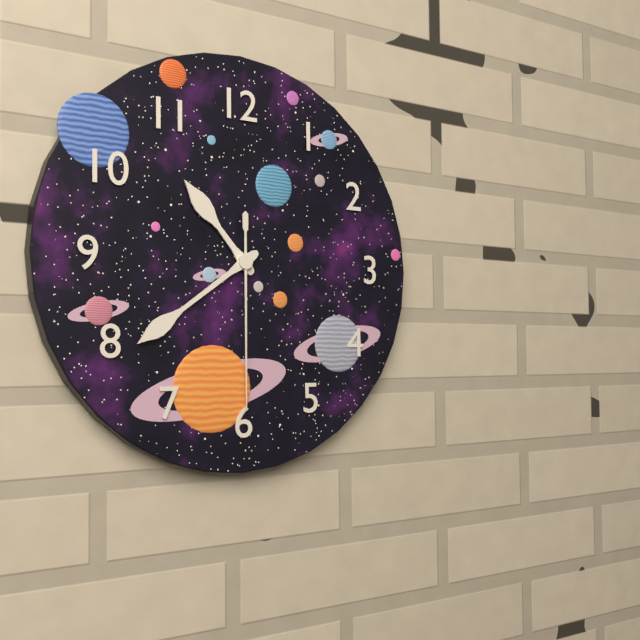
10 h 39 min 30 s
